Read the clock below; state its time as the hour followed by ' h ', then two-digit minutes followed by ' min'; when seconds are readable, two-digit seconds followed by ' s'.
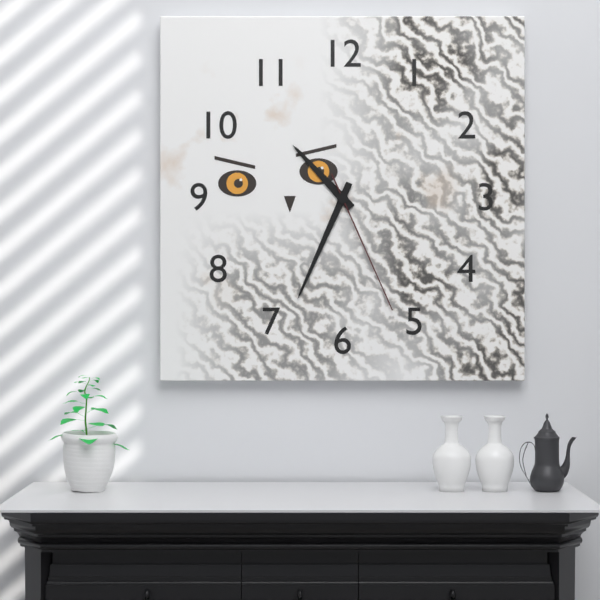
10 h 34 min 26 s
